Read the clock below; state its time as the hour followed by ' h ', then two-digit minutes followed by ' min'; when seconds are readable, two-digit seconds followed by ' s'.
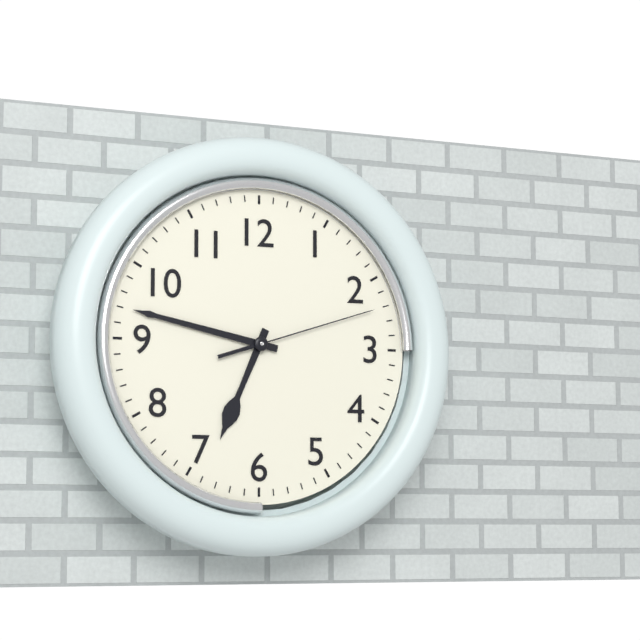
6 h 47 min 12 s
